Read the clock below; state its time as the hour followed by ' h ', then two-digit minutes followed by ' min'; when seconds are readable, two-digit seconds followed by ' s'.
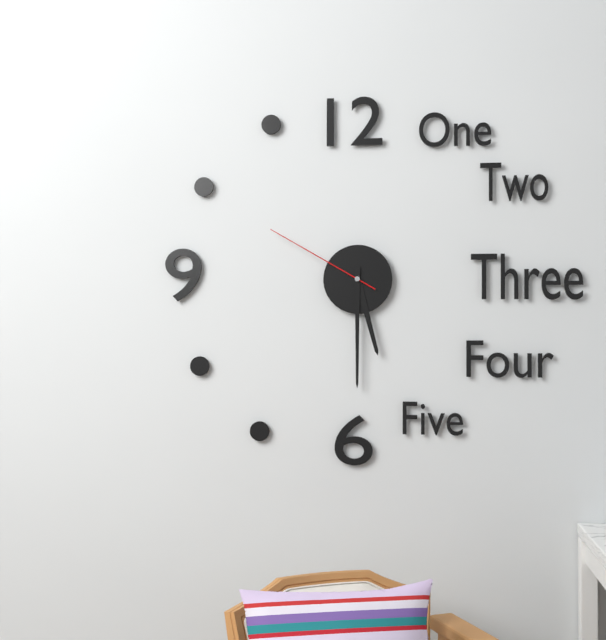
5 h 30 min 50 s
